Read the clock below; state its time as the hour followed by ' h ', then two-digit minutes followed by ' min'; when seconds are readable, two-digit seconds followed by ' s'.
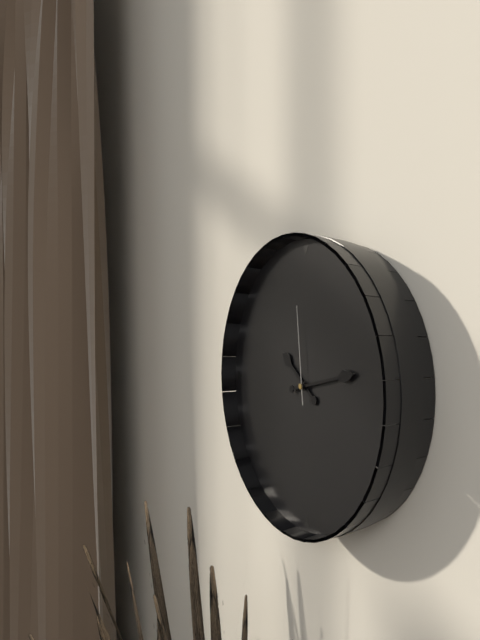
10 h 13 min 59 s
